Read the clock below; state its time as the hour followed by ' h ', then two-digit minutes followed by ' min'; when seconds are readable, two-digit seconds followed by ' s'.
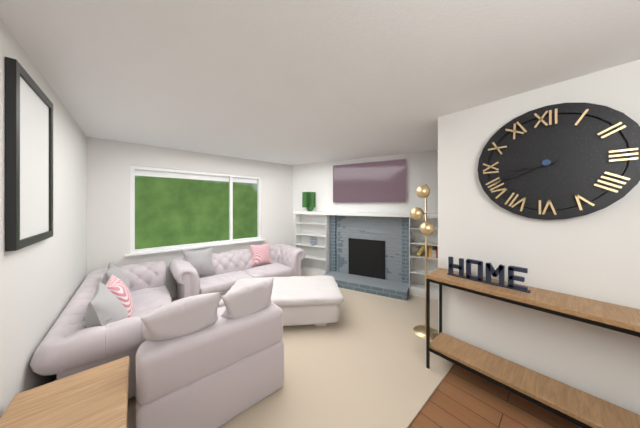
8 h 41 min
